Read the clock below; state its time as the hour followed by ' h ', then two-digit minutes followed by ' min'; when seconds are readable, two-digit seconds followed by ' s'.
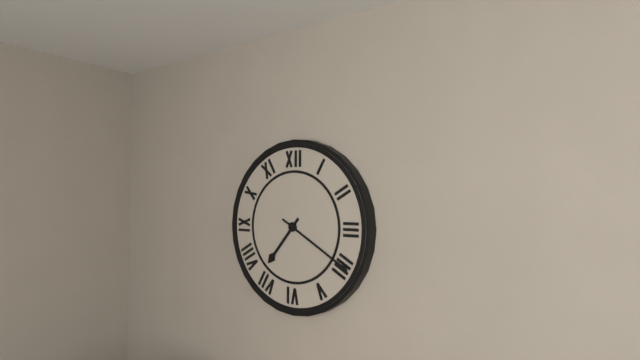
7 h 20 min
